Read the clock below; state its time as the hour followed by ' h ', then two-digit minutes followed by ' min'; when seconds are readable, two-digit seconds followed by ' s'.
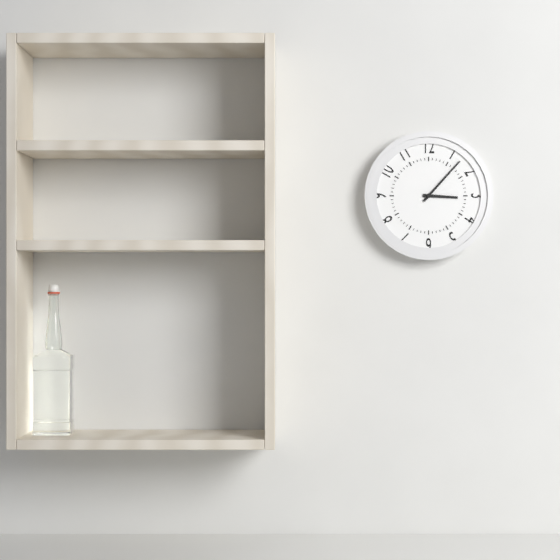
3 h 07 min
